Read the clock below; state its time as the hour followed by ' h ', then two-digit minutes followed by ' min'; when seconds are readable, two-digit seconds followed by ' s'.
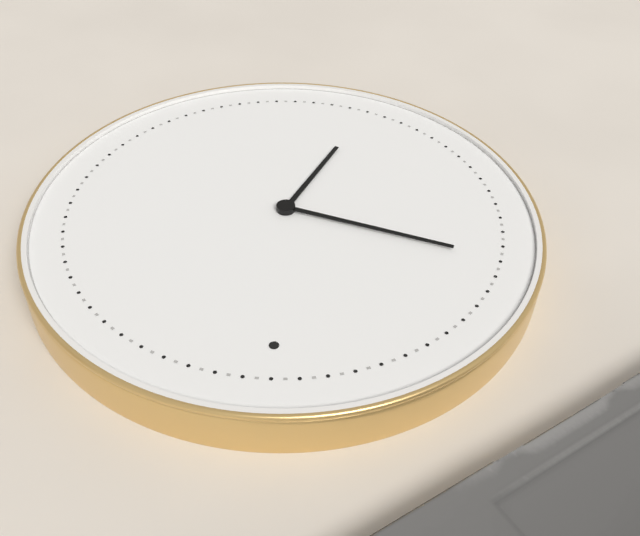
6 h 48 min
